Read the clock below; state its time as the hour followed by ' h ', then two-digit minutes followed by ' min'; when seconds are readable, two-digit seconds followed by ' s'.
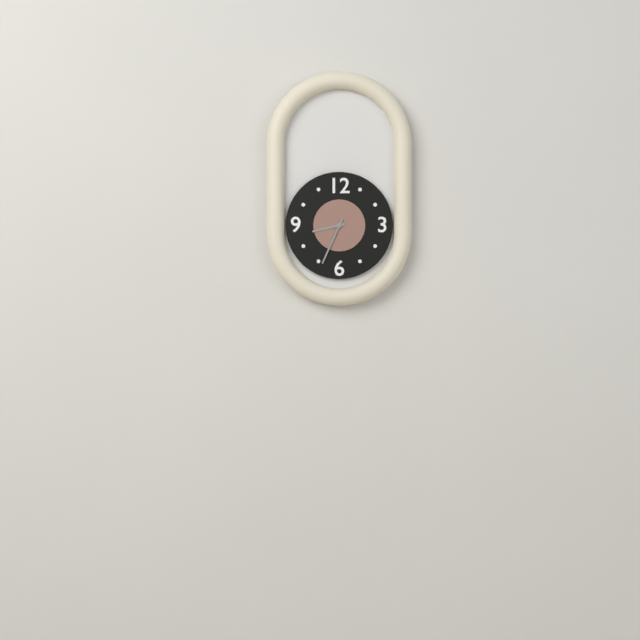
8 h 34 min
